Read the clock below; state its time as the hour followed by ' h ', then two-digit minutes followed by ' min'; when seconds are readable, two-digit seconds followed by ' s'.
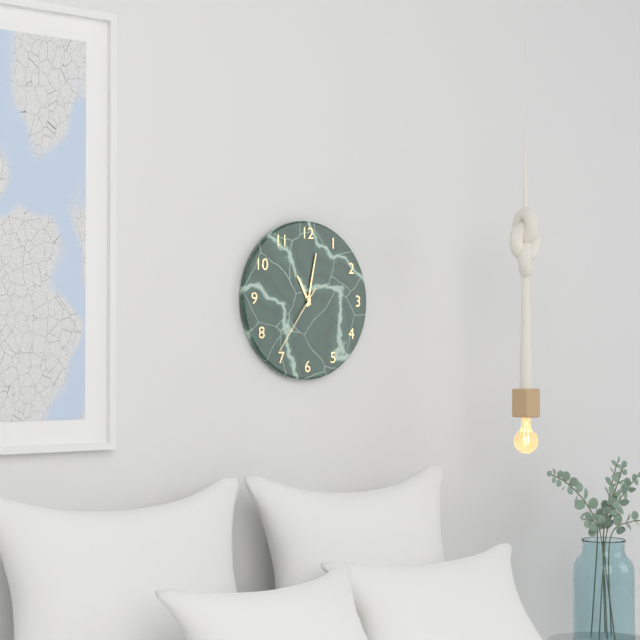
11 h 02 min 36 s
